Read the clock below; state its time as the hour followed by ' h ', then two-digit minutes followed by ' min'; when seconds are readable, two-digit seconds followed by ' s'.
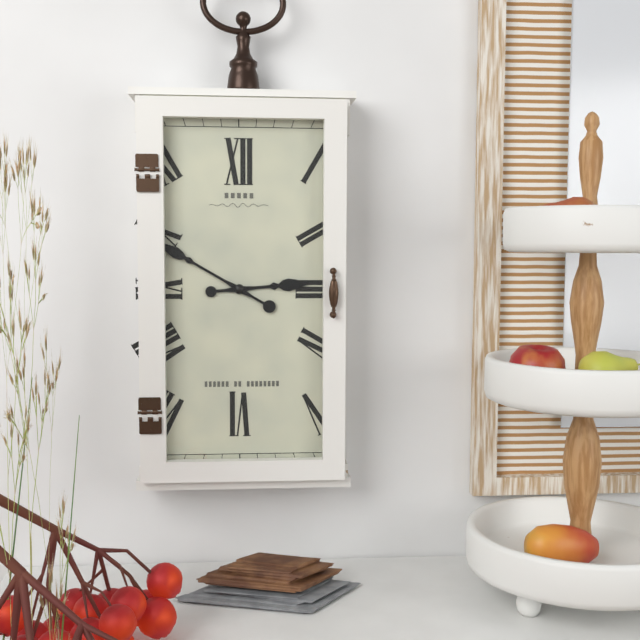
2 h 50 min
